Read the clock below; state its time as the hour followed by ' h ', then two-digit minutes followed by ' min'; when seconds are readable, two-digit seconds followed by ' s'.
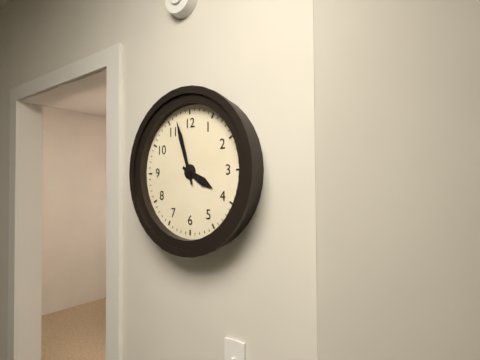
3 h 57 min
